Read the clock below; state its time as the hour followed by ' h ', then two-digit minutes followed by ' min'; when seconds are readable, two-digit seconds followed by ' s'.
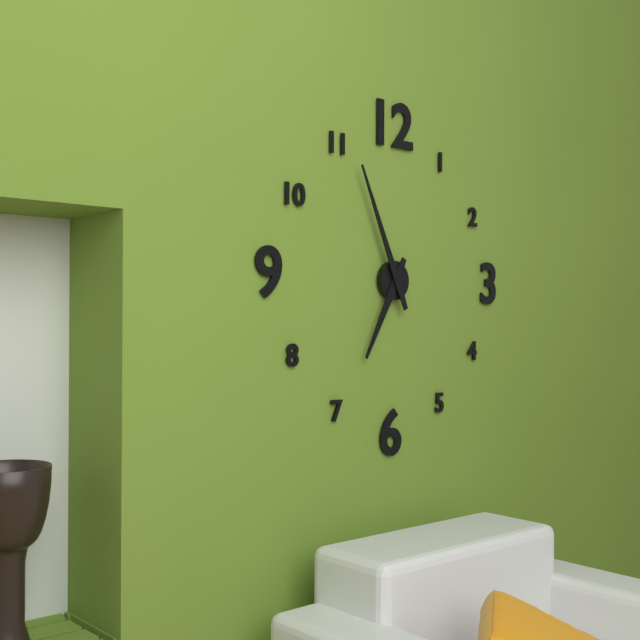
6 h 56 min
